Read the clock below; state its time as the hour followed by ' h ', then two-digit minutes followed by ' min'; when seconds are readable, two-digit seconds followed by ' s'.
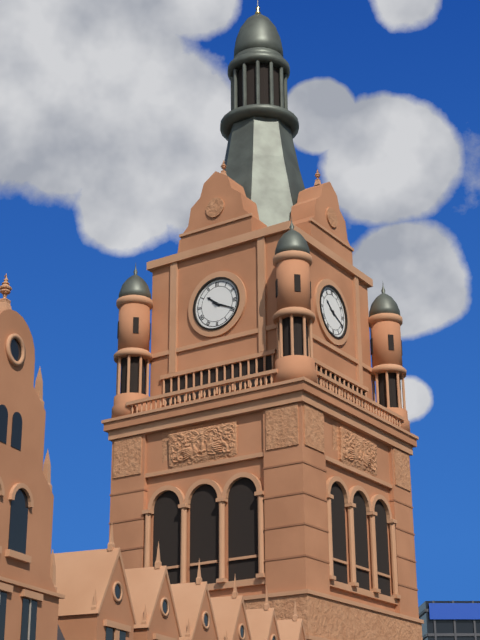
10 h 19 min
